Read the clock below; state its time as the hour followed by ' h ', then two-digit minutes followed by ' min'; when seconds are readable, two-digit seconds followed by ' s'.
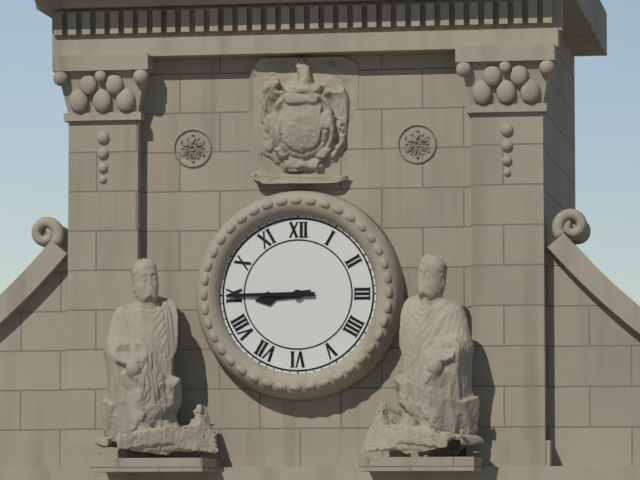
8 h 45 min
